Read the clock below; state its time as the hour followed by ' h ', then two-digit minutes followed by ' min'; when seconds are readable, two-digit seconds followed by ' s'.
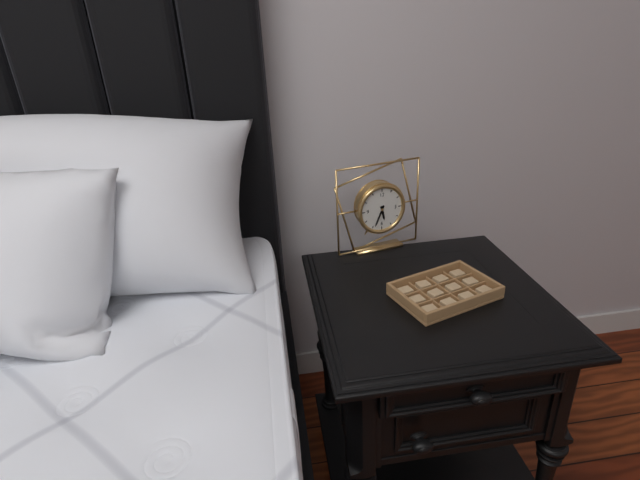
5 h 34 min
